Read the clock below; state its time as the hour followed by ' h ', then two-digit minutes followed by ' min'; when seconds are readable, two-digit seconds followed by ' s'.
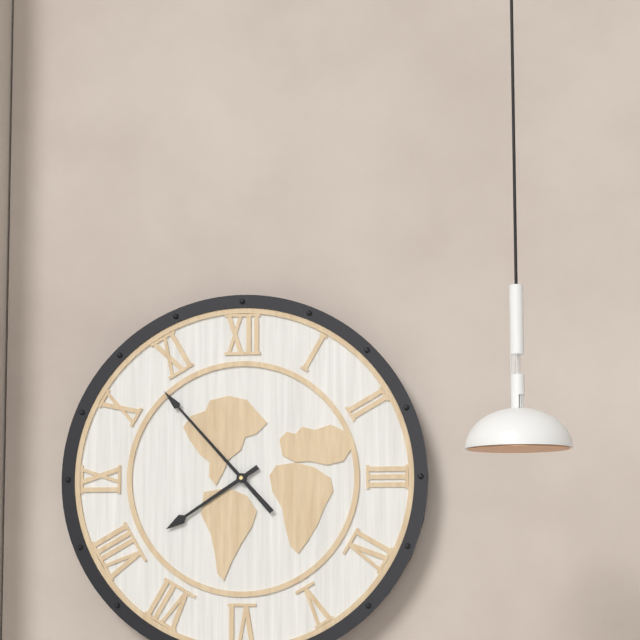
7 h 53 min
